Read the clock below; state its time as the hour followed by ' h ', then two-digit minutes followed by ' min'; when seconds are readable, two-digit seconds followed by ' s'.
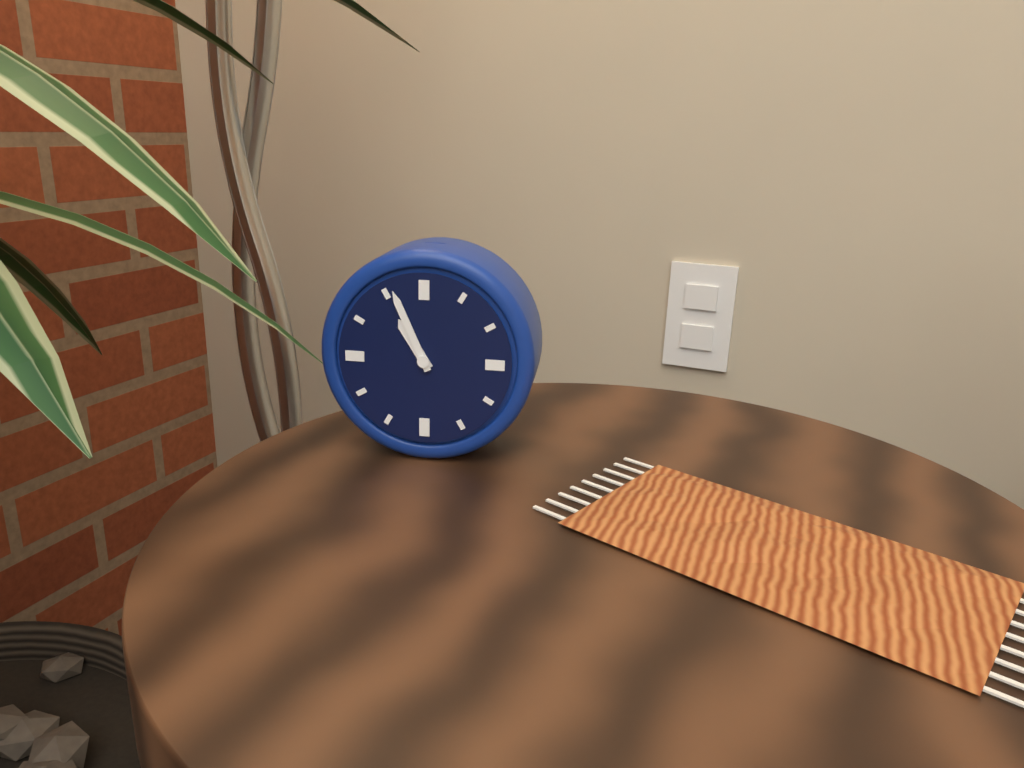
10 h 56 min
